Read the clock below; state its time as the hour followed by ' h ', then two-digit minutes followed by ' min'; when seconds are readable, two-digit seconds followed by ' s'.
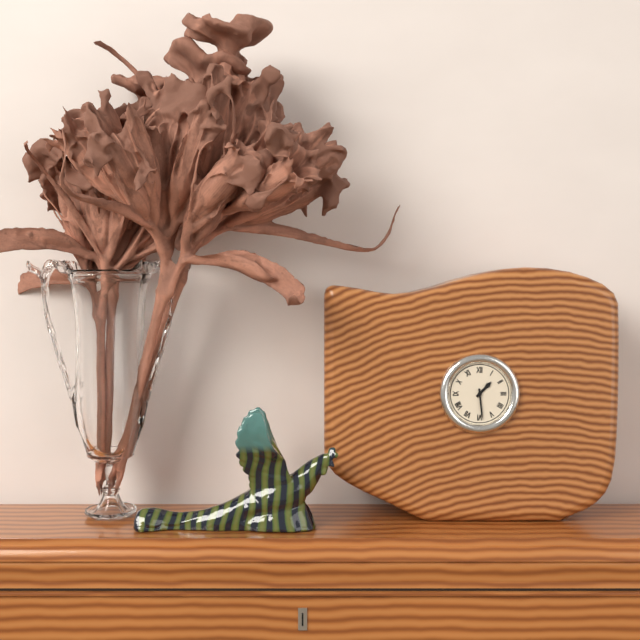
1 h 29 min
